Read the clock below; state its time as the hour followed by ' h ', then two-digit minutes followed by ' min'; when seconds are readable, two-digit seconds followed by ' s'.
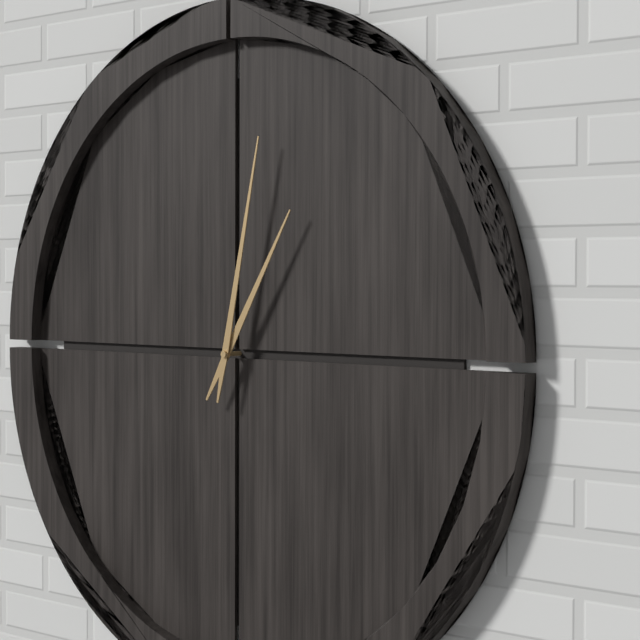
1 h 02 min
